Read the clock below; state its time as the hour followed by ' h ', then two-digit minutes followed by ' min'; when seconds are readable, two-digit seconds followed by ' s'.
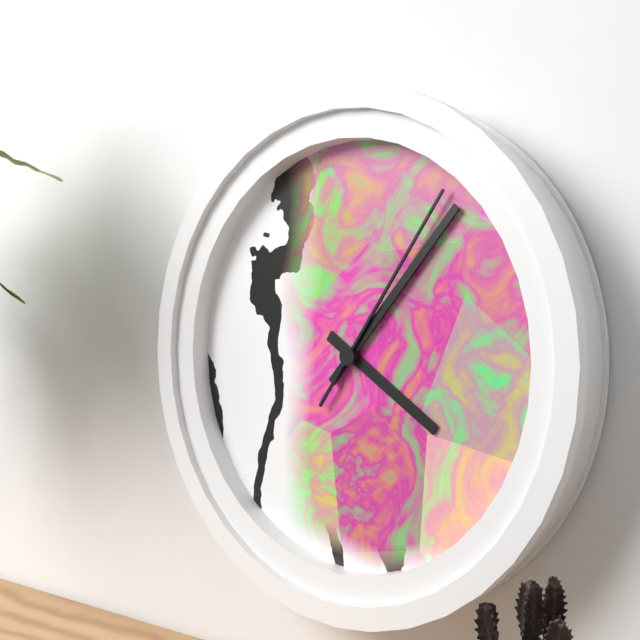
4 h 07 min 06 s
